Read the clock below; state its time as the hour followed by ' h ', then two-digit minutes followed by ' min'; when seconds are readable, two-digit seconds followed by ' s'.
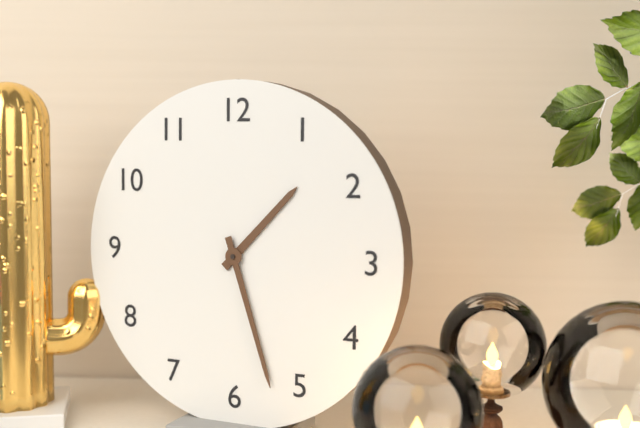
1 h 27 min
